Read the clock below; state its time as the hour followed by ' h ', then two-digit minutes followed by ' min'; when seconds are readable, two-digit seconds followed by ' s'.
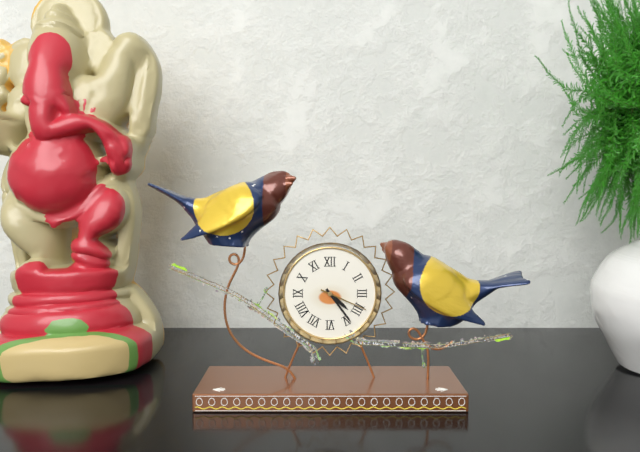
4 h 24 min
